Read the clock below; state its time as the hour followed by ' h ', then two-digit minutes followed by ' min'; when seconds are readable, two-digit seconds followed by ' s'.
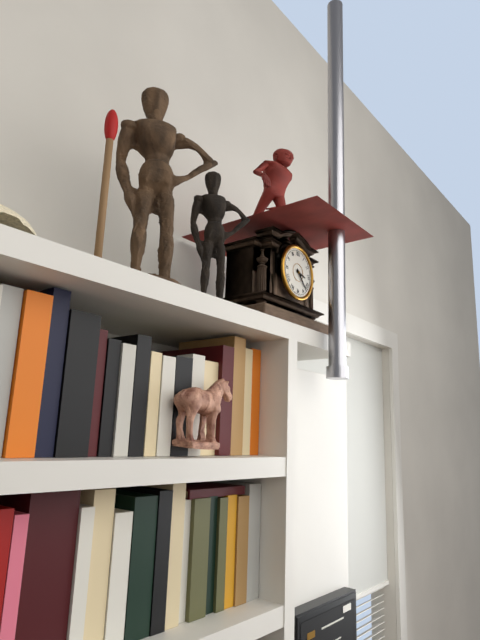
3 h 23 min
